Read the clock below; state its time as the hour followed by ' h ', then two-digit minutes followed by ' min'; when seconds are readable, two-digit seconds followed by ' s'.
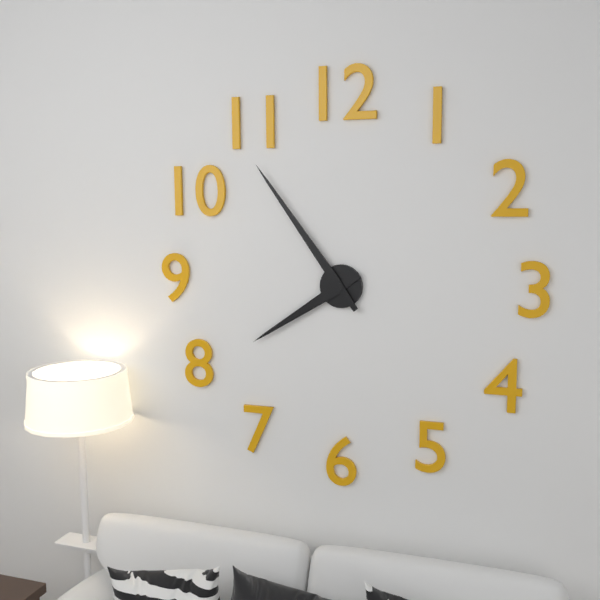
7 h 54 min
